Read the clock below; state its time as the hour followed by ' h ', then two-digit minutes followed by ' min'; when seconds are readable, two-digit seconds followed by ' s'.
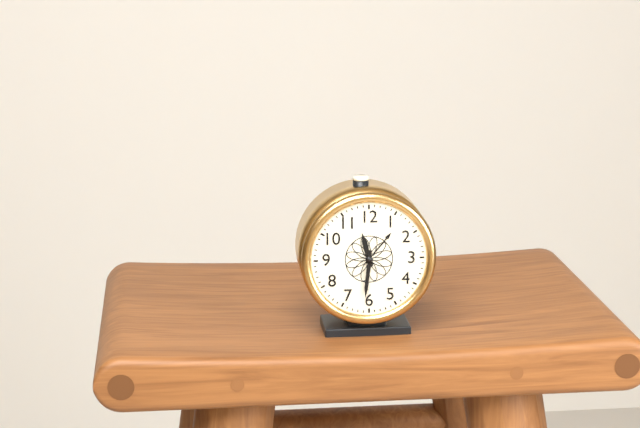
11 h 31 min
